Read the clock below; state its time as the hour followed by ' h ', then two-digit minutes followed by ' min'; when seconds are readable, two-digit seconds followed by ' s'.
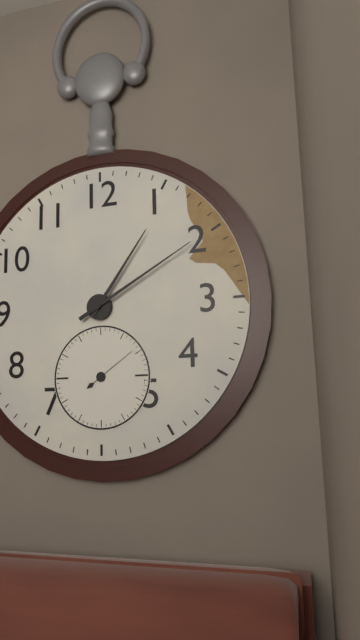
1 h 10 min 09 s
